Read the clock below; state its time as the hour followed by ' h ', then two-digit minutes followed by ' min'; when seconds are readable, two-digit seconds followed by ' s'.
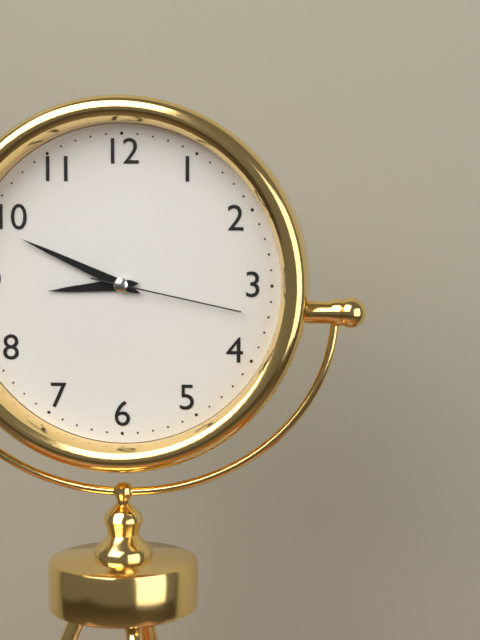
8 h 49 min 17 s
